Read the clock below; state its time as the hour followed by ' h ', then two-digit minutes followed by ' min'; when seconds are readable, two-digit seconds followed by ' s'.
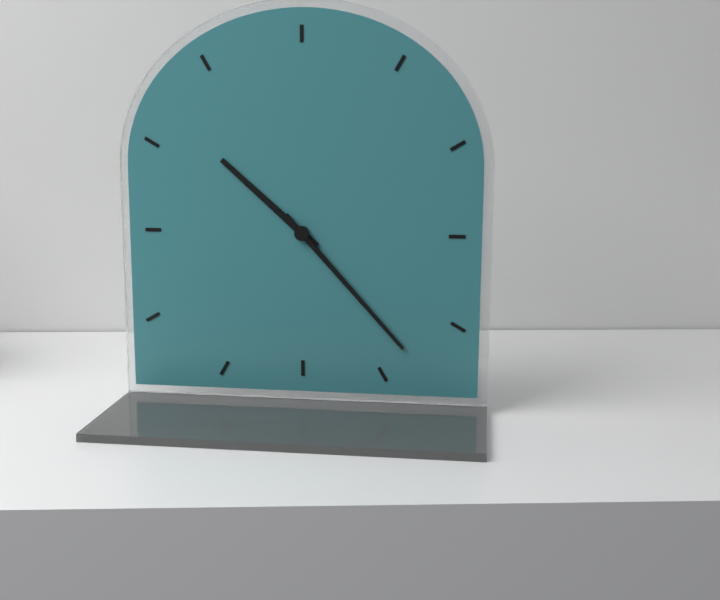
10 h 23 min
